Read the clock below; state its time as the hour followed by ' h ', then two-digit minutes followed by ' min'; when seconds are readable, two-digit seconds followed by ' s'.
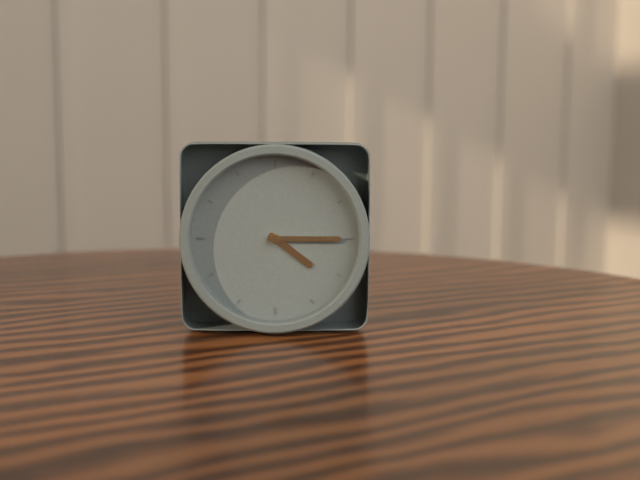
4 h 15 min
